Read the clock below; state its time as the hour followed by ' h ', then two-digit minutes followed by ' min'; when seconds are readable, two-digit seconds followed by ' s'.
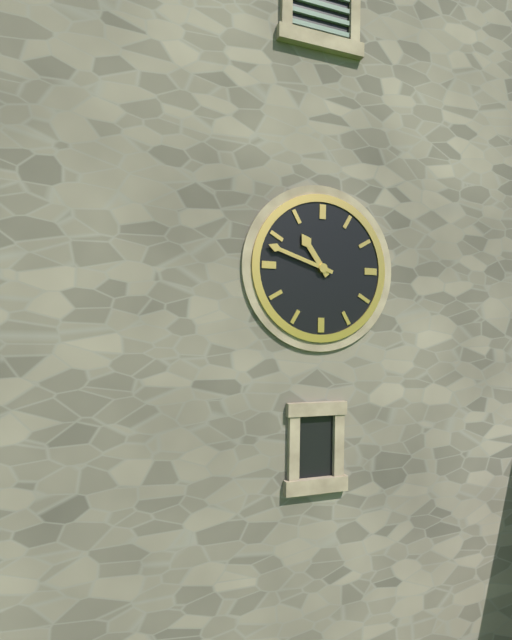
10 h 48 min
